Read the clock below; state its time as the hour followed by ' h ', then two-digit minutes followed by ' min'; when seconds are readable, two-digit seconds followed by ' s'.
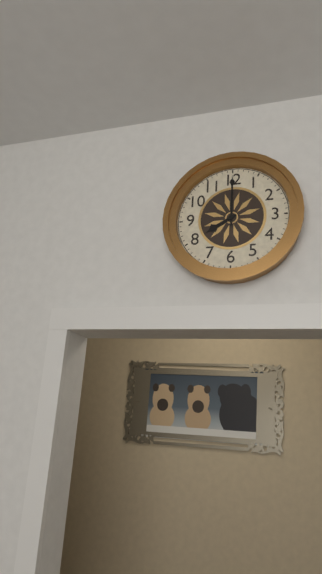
8 h 00 min
